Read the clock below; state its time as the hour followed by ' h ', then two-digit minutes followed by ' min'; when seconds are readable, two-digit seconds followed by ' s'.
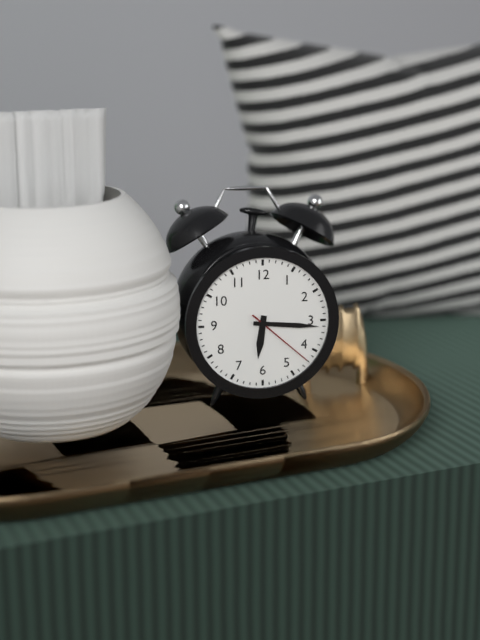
6 h 16 min 22 s
